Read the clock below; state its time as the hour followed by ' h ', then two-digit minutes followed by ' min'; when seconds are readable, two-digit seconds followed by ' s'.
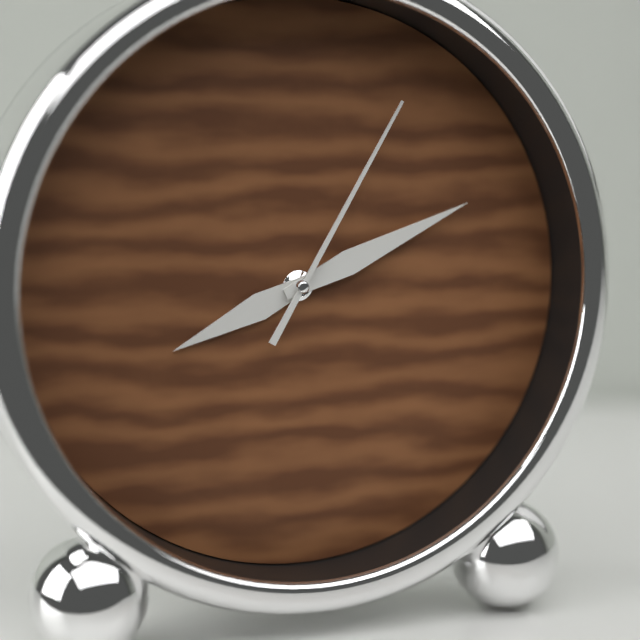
8 h 11 min 05 s
